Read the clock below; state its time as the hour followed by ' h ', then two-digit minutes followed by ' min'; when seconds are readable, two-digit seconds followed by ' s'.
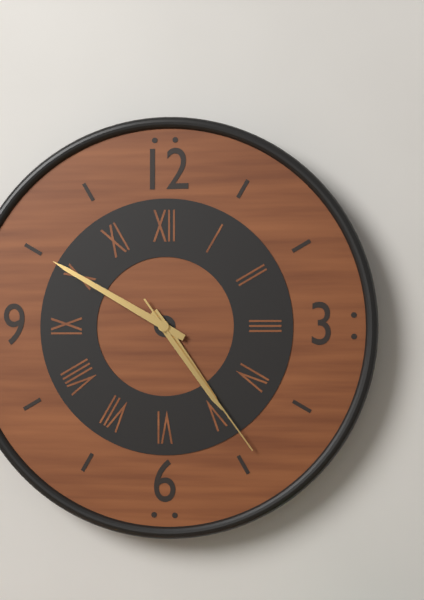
4 h 50 min 24 s
